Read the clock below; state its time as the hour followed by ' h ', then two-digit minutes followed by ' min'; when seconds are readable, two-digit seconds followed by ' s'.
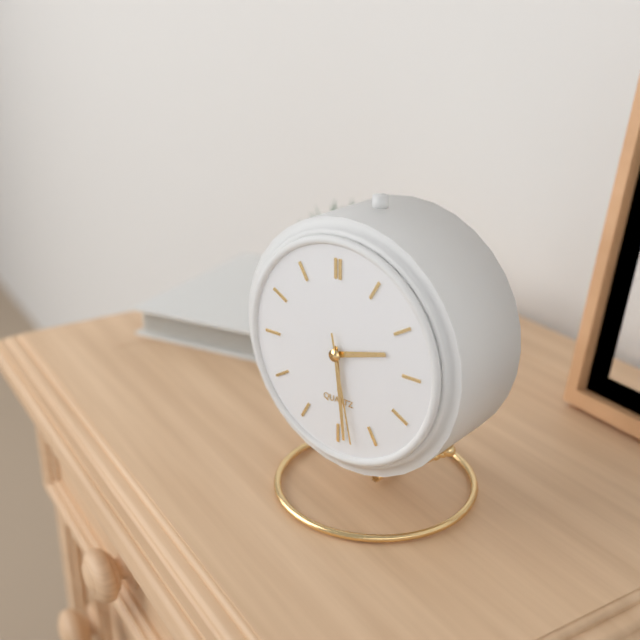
2 h 29 min 28 s
